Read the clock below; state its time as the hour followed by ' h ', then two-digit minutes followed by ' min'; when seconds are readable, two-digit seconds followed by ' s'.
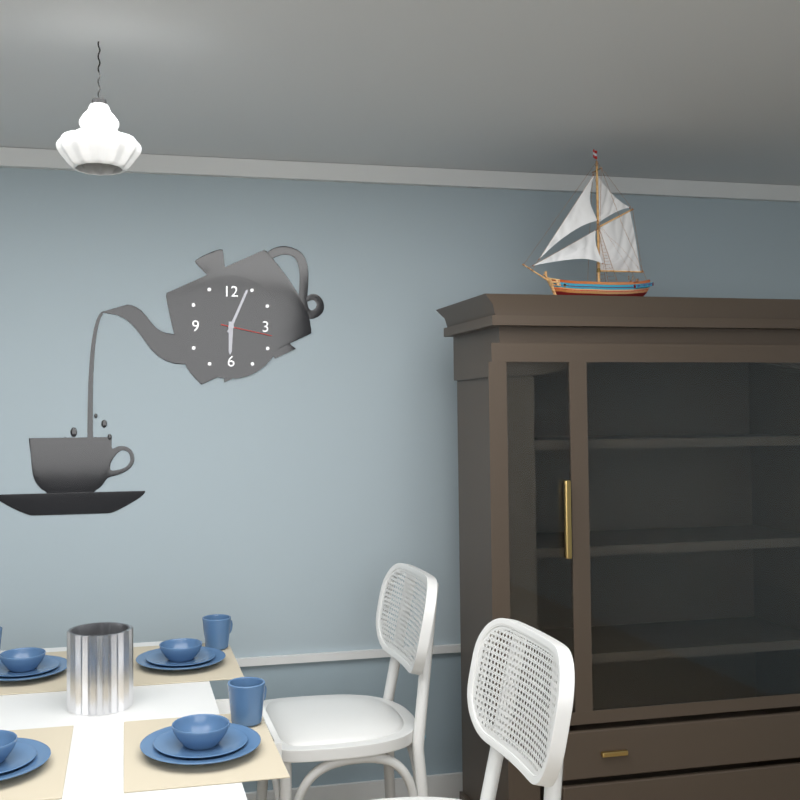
6 h 04 min 17 s
